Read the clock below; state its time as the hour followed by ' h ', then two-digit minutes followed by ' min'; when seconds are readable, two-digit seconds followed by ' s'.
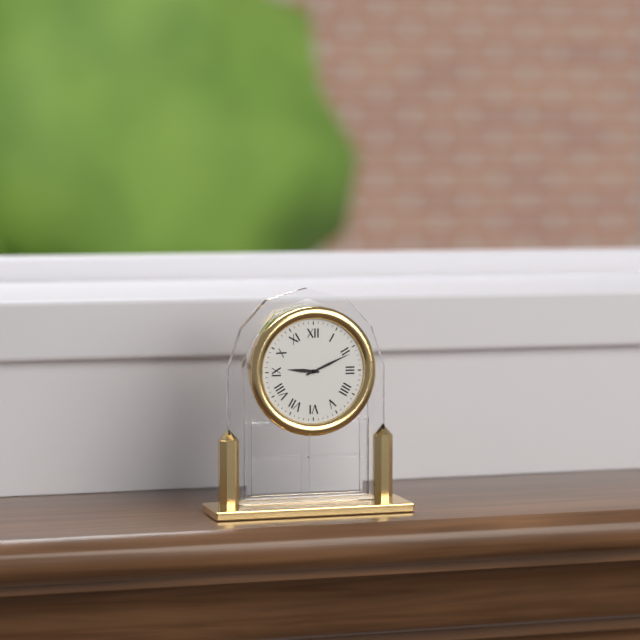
9 h 11 min
